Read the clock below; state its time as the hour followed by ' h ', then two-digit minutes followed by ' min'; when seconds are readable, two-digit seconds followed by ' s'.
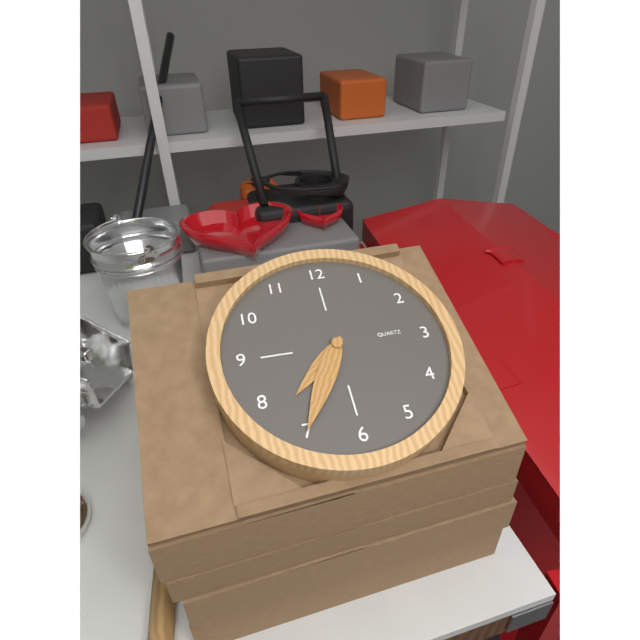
7 h 35 min
